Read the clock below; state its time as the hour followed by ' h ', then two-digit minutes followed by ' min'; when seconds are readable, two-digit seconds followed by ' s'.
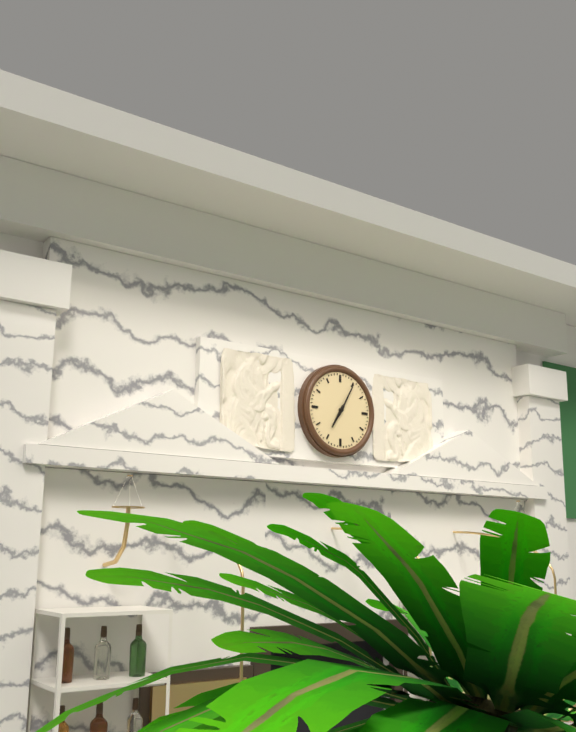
7 h 05 min
